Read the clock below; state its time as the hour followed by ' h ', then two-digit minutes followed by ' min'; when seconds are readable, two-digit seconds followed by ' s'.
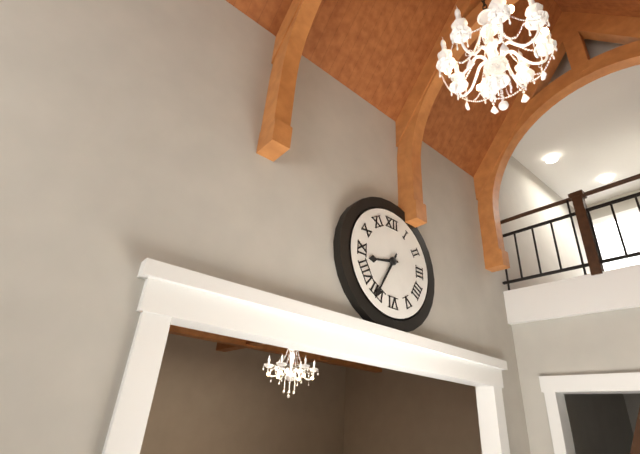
8 h 35 min
